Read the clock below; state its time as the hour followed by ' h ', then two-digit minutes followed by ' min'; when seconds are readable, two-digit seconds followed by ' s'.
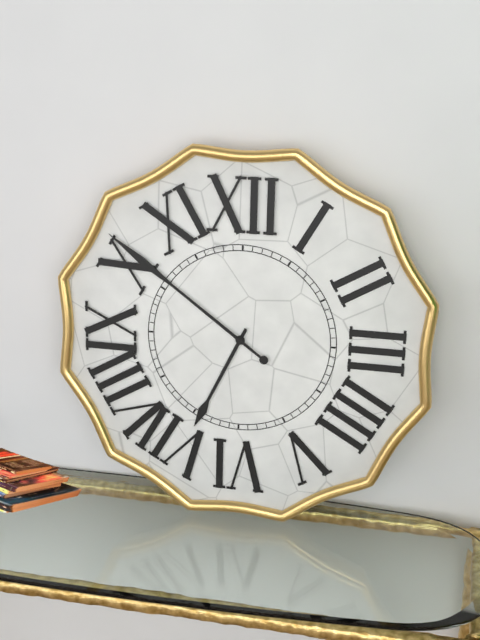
6 h 51 min
